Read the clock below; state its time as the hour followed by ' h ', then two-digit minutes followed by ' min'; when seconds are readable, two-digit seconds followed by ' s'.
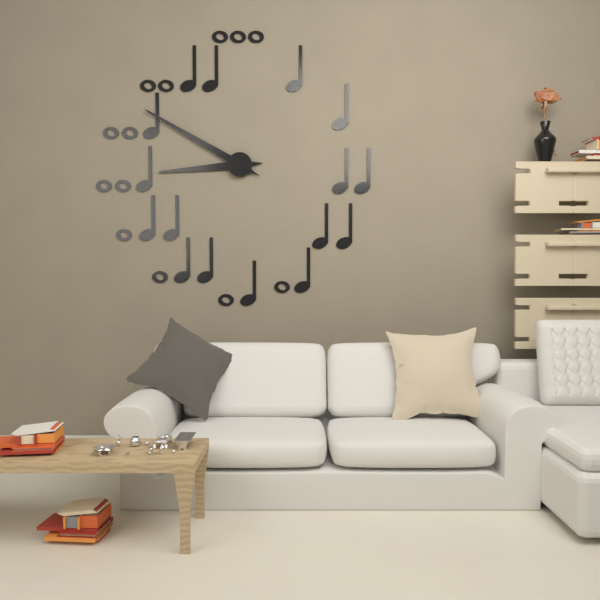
8 h 50 min
